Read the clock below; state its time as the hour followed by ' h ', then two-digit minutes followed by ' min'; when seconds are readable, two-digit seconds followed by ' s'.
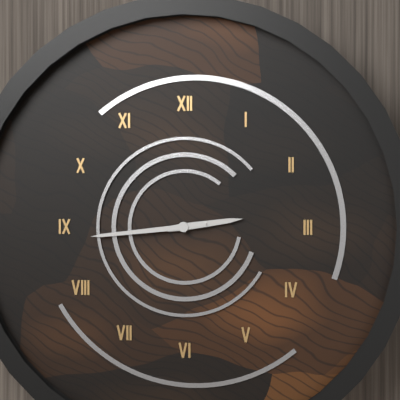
2 h 44 min
